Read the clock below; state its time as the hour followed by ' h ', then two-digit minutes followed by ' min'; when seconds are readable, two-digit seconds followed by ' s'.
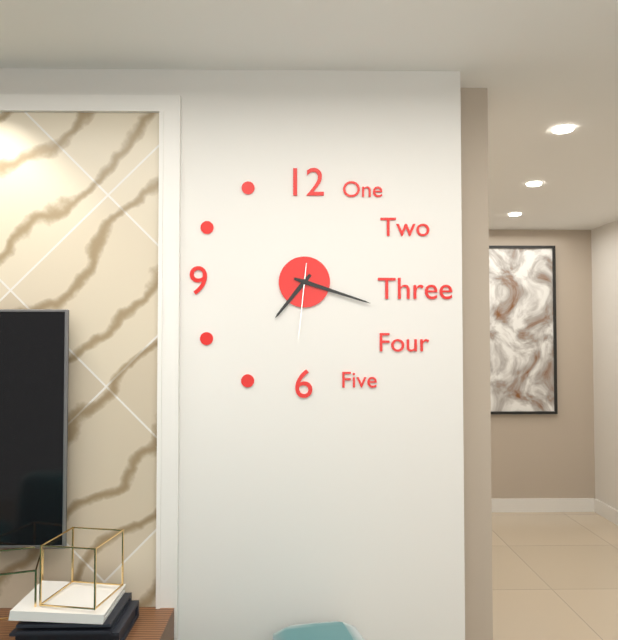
7 h 18 min 31 s
